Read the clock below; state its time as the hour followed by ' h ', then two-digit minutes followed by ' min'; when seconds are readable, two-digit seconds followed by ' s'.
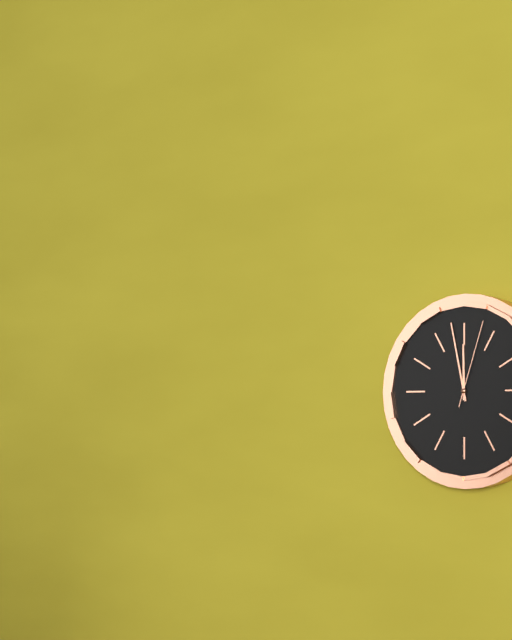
11 h 58 min 03 s
